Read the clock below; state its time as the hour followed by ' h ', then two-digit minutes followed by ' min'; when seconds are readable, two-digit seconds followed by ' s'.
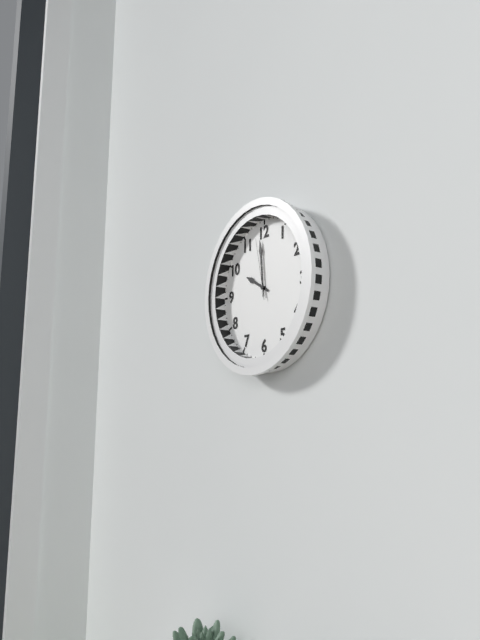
9 h 59 min 58 s
